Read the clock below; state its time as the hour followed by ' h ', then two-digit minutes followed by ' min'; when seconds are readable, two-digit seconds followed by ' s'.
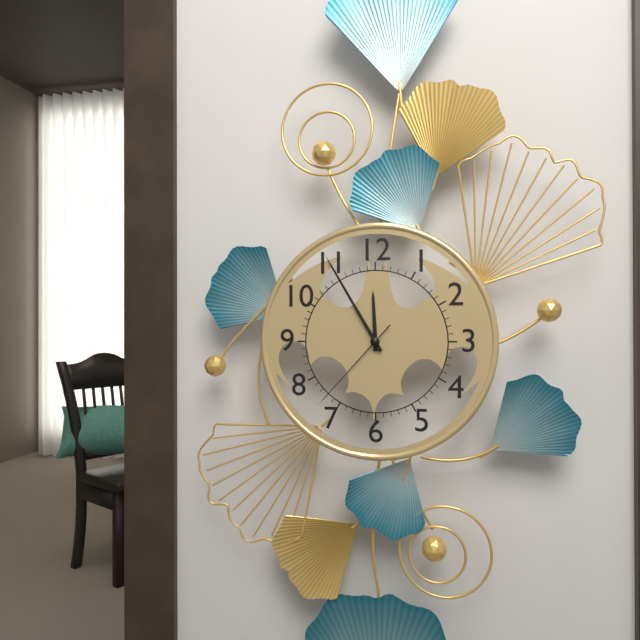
11 h 55 min 37 s
